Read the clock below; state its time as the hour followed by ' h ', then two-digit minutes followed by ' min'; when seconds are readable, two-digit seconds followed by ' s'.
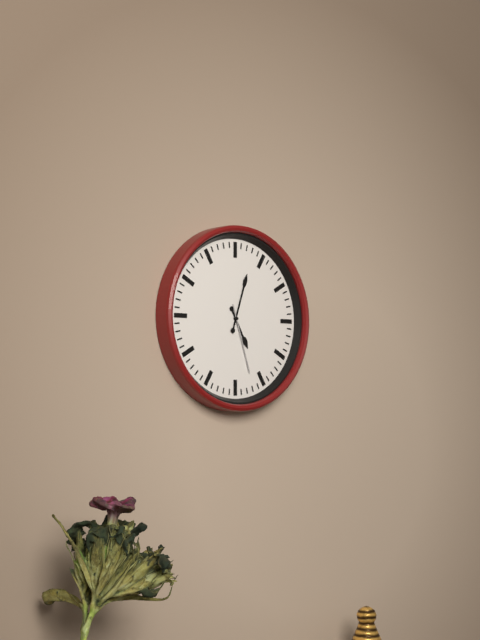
5 h 03 min 27 s
